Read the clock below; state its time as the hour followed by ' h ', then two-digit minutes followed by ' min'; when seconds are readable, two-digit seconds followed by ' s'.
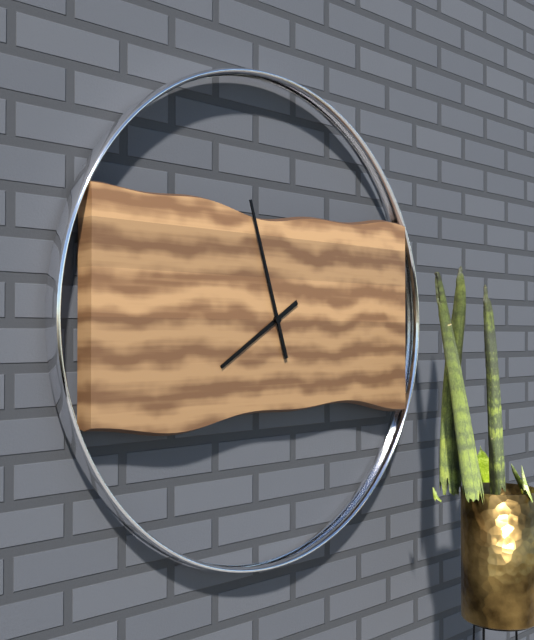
7 h 57 min
